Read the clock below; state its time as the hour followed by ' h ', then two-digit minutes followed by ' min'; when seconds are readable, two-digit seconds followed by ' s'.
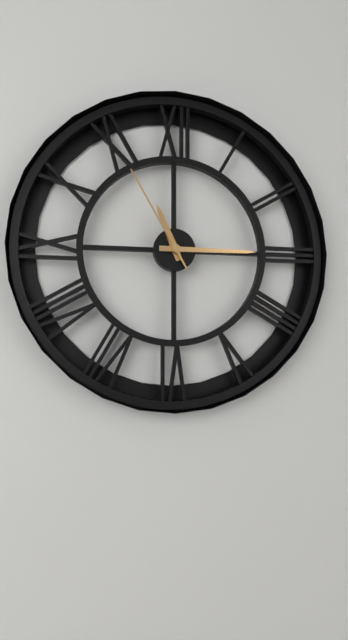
11 h 15 min 55 s
